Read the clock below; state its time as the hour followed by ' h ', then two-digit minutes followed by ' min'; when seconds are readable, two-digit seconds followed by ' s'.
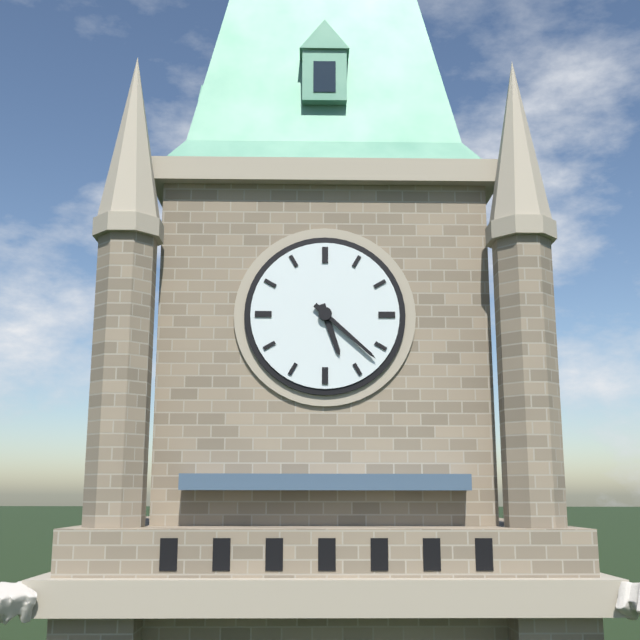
5 h 22 min
